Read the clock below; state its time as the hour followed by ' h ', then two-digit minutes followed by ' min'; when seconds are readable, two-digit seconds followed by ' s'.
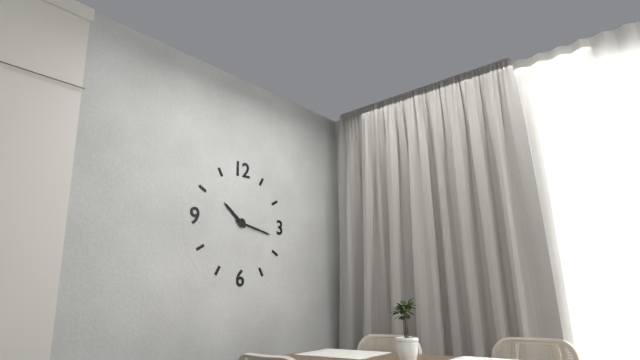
10 h 17 min
